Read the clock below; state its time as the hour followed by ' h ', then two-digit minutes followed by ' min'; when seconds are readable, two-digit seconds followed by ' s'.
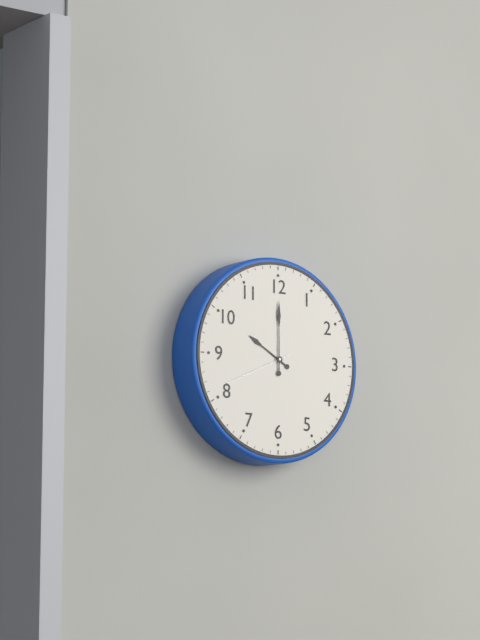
10 h 00 min 41 s
